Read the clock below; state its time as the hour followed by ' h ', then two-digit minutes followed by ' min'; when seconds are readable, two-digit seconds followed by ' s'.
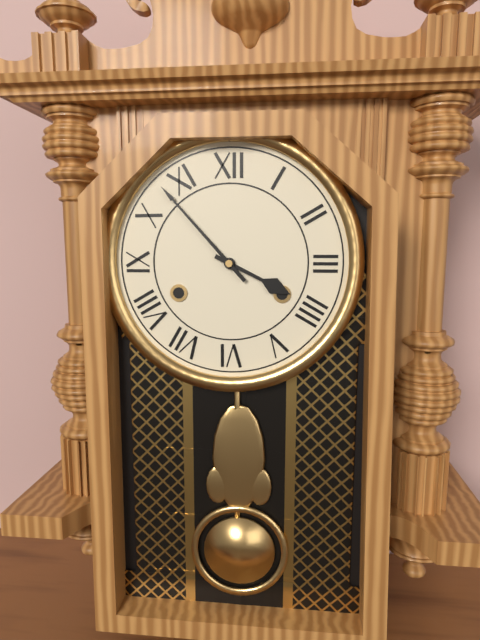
3 h 53 min
